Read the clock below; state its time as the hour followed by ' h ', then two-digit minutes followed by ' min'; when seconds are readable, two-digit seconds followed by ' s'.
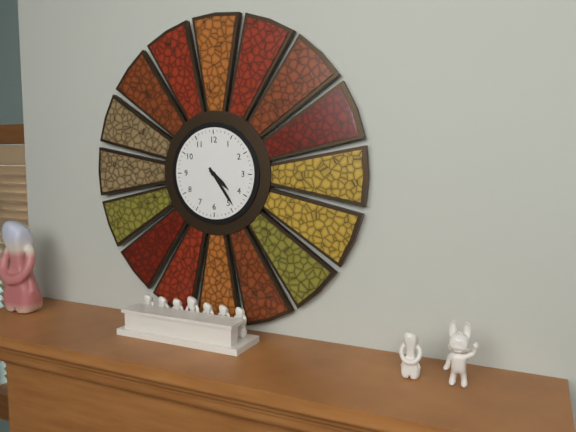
4 h 24 min
